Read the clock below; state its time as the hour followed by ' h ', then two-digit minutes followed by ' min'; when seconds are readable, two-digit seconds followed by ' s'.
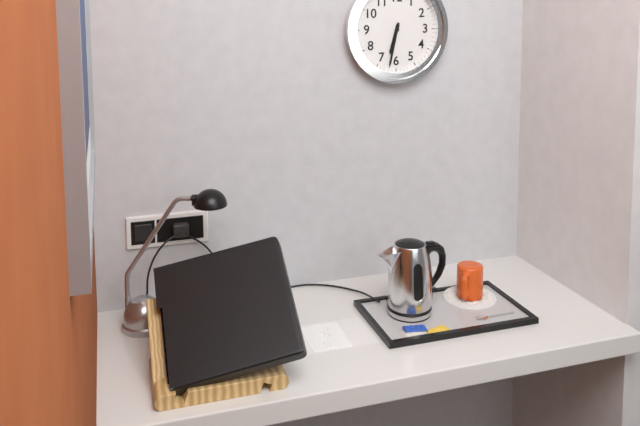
6 h 32 min
